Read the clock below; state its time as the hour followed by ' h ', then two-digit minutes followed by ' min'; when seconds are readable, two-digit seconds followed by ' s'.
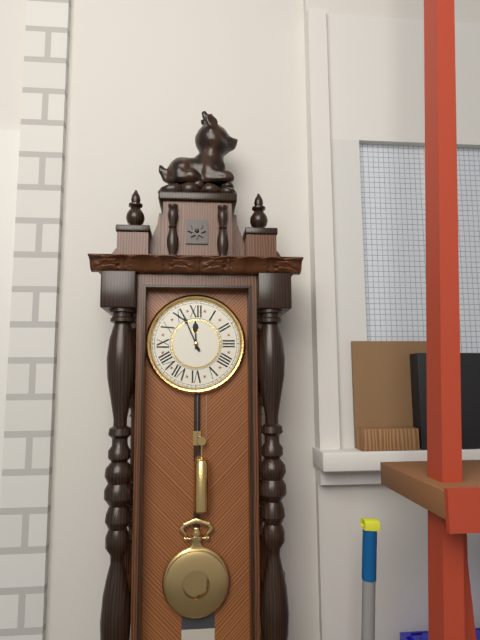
11 h 56 min
